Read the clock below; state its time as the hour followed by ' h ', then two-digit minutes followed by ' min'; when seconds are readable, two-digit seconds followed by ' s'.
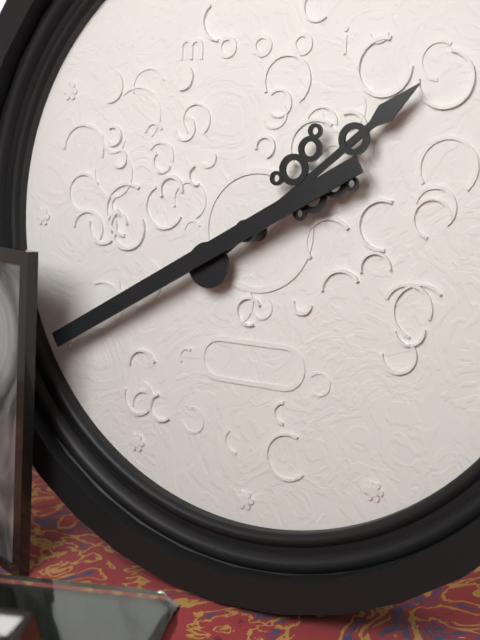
1 h 40 min
